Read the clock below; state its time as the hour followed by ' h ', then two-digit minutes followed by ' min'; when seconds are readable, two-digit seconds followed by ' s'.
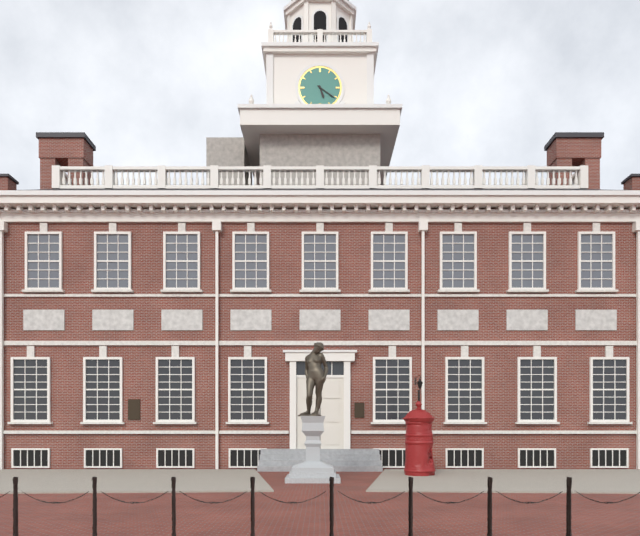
5 h 21 min
